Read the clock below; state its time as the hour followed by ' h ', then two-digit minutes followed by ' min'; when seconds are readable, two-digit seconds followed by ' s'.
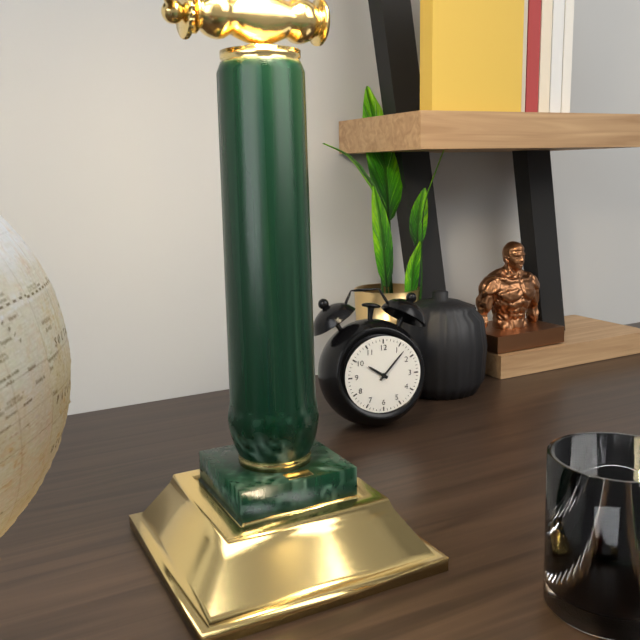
10 h 07 min
